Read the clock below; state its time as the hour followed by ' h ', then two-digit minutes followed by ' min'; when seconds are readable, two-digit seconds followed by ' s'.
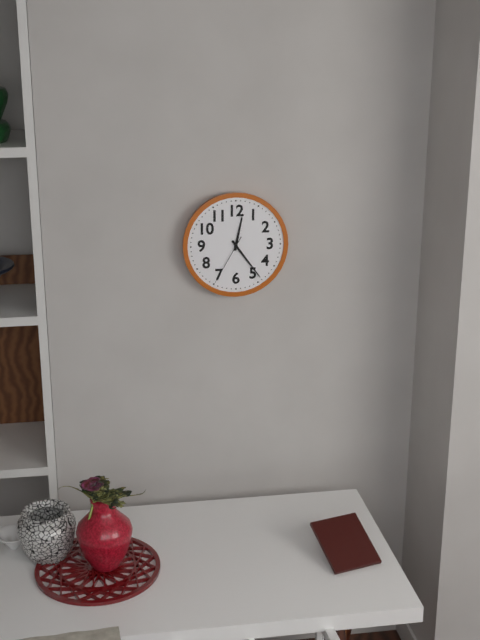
12 h 24 min 35 s
